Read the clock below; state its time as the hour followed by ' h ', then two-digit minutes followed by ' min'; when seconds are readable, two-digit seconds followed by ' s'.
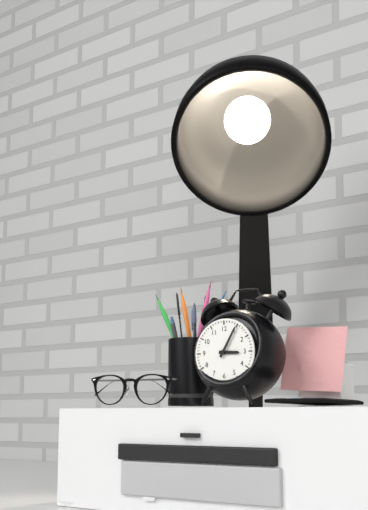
3 h 05 min
